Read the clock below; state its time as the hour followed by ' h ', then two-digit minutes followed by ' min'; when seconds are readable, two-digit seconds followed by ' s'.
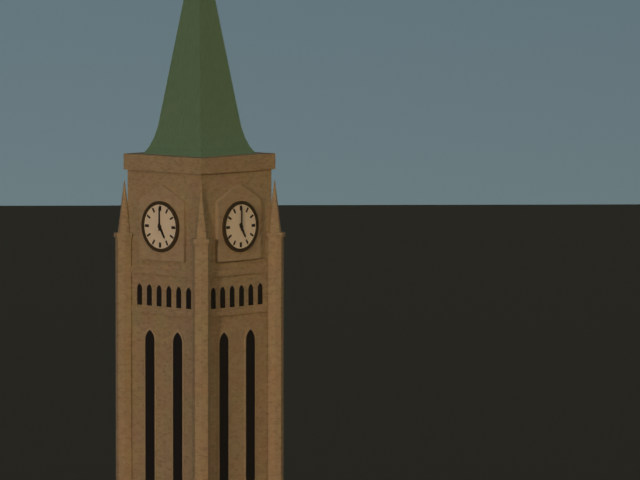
5 h 00 min
